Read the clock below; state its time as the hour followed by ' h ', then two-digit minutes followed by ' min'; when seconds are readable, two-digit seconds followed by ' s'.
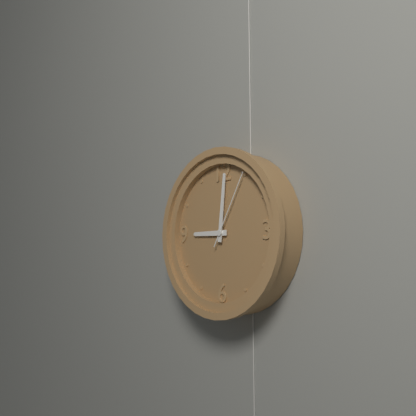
9 h 01 min 05 s
